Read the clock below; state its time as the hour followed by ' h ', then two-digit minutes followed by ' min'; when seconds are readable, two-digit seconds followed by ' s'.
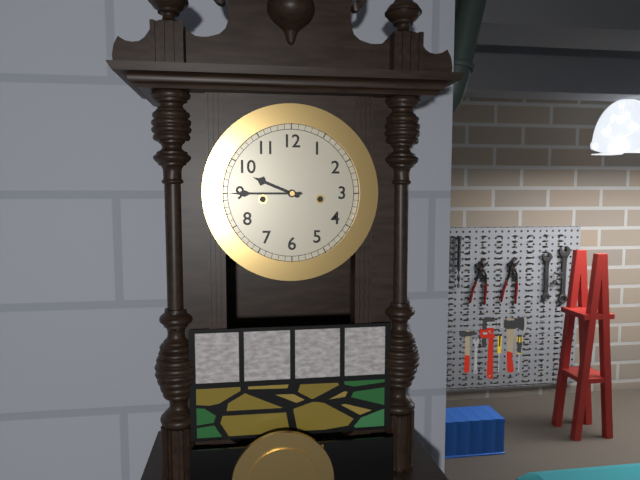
9 h 45 min
